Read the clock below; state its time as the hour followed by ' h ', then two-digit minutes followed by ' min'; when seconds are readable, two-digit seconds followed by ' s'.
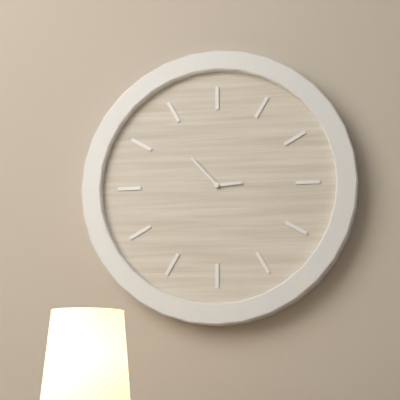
2 h 53 min
